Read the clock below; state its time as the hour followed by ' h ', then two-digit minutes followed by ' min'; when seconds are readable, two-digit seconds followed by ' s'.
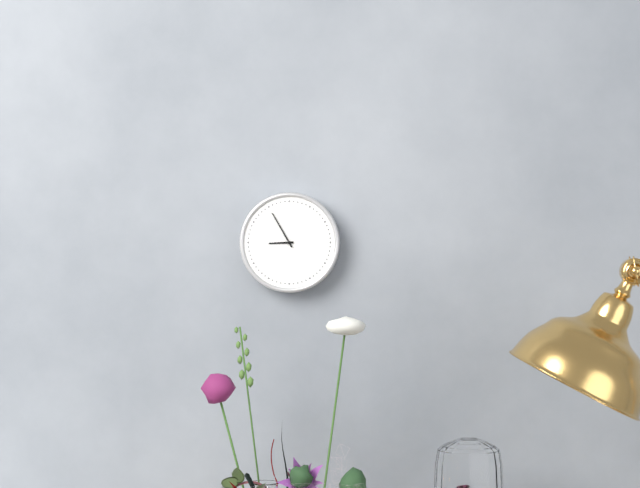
8 h 55 min
